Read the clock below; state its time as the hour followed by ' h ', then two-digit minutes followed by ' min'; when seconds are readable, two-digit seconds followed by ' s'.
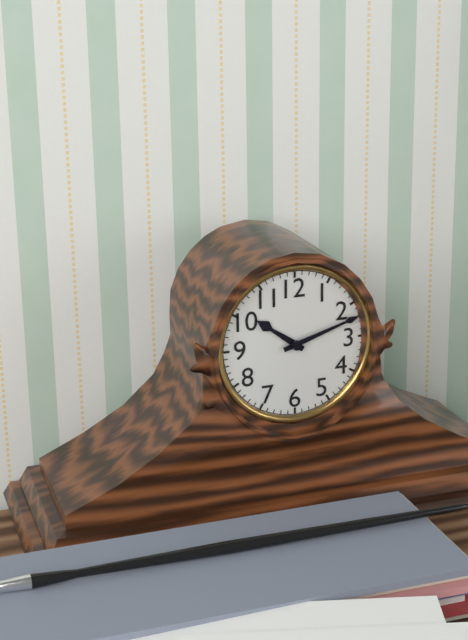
10 h 12 min
